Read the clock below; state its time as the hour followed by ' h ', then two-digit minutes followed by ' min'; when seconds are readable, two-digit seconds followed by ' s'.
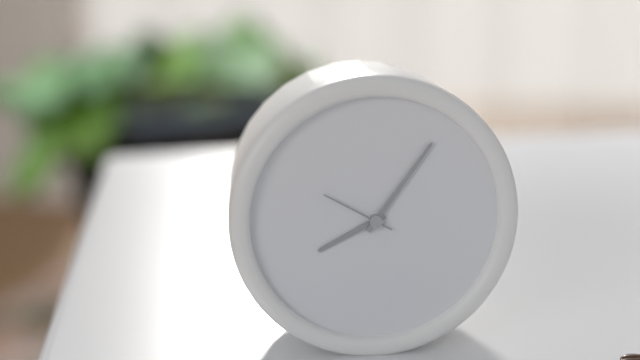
8 h 06 min 50 s
